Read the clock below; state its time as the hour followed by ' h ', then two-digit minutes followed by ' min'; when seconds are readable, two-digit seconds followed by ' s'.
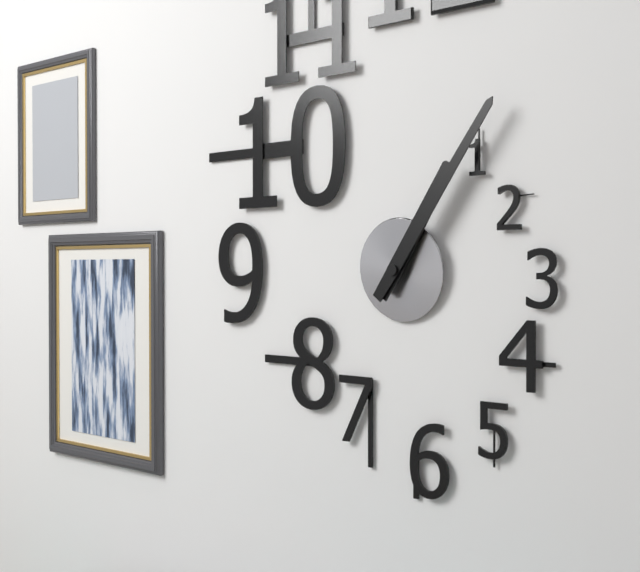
1 h 06 min
